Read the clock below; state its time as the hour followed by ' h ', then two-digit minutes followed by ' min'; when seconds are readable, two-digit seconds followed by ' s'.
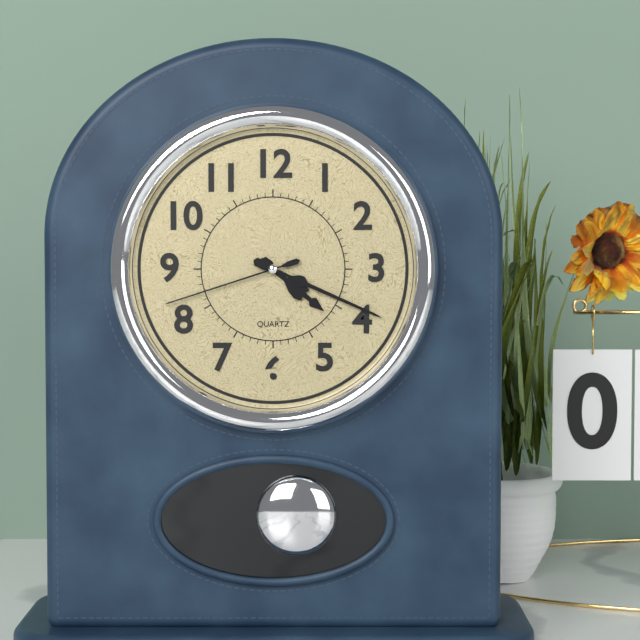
4 h 19 min 42 s
